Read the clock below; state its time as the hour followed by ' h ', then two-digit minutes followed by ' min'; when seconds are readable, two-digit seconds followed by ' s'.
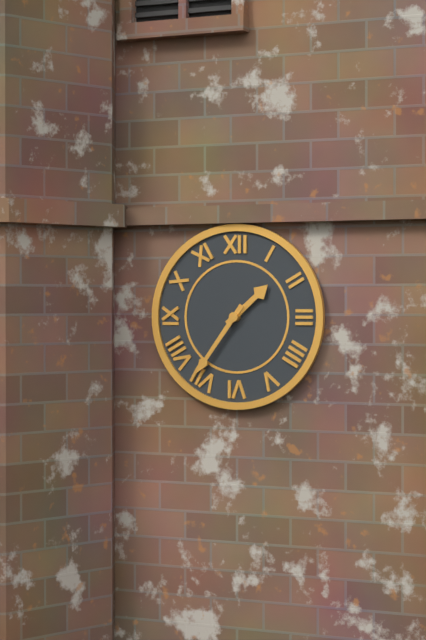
1 h 36 min
